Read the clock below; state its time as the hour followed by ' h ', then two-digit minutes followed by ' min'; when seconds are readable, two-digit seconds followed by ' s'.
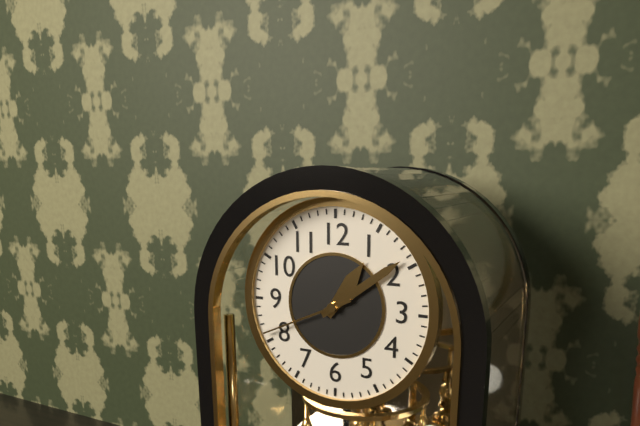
1 h 09 min 41 s
